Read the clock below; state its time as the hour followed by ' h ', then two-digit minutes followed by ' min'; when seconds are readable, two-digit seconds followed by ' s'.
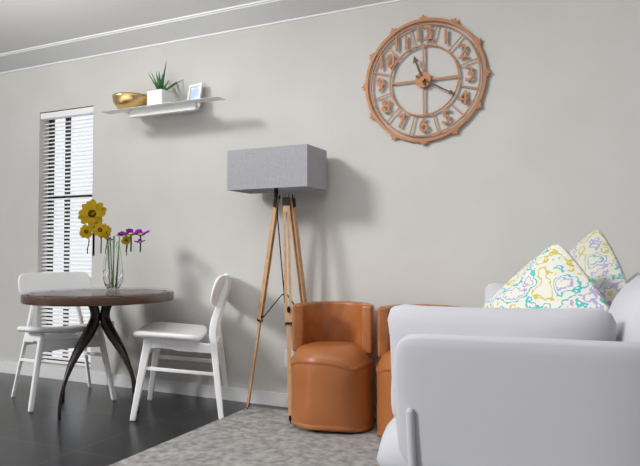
11 h 20 min
